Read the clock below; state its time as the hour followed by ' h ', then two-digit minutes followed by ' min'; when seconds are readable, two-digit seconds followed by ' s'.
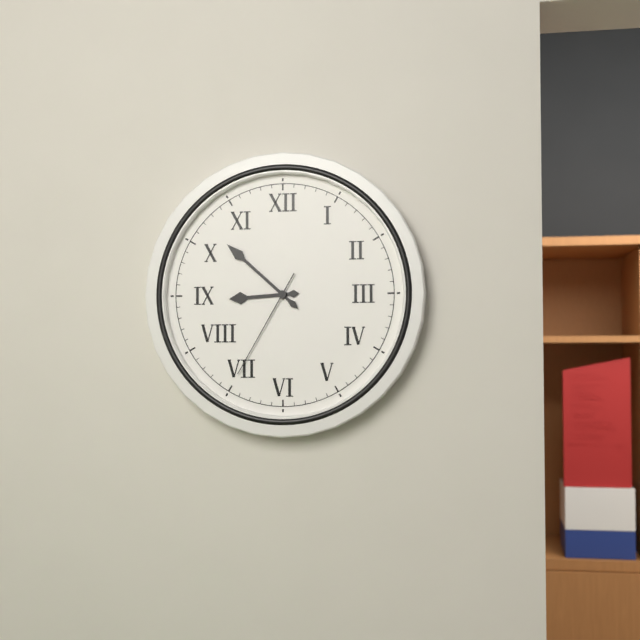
8 h 52 min 35 s
